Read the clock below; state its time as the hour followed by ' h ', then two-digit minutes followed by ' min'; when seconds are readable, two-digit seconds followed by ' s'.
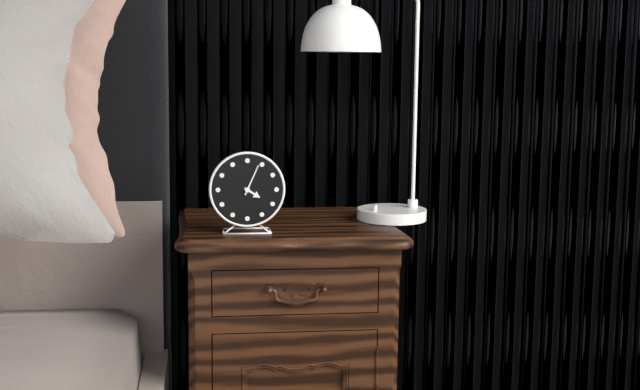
4 h 04 min
